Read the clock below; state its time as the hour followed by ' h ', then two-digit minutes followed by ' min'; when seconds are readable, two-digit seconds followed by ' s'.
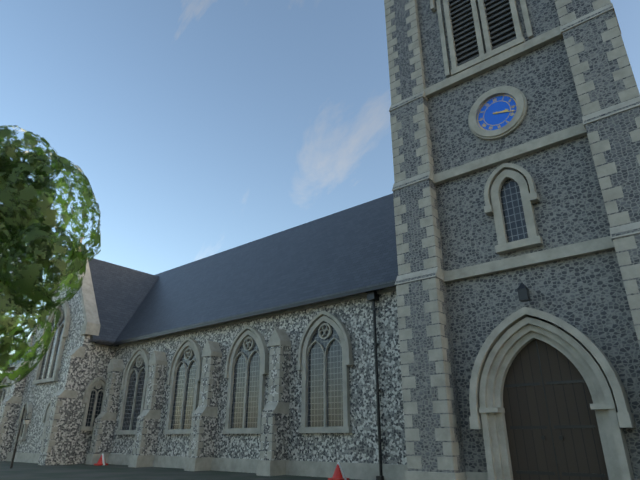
3 h 18 min
